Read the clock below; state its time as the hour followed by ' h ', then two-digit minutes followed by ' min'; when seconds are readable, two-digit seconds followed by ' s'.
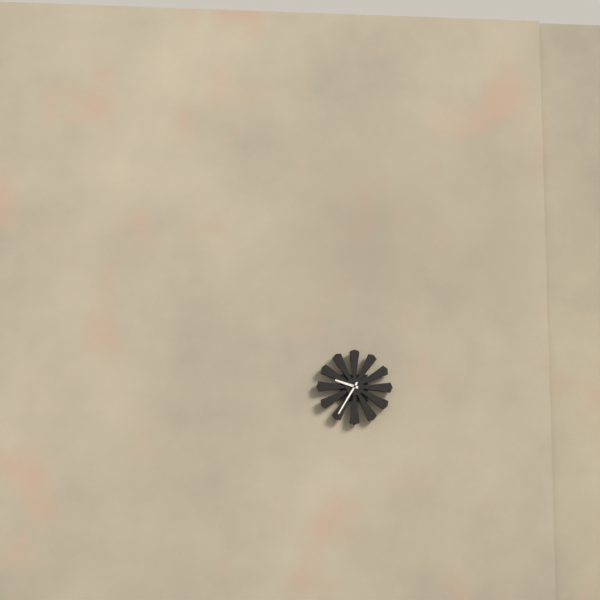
9 h 35 min
